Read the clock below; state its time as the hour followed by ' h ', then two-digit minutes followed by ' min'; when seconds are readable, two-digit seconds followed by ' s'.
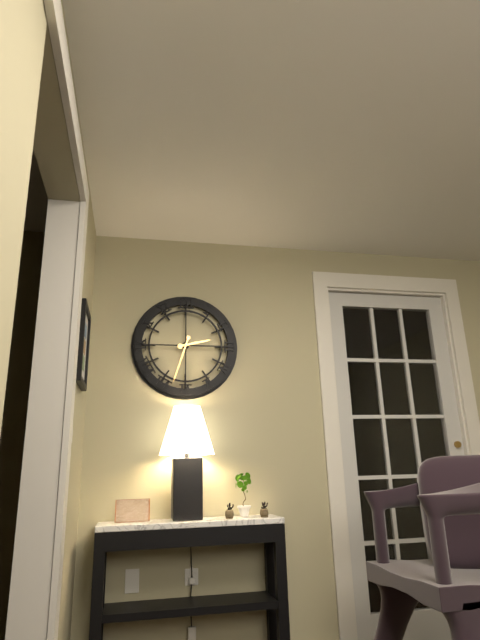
2 h 33 min
